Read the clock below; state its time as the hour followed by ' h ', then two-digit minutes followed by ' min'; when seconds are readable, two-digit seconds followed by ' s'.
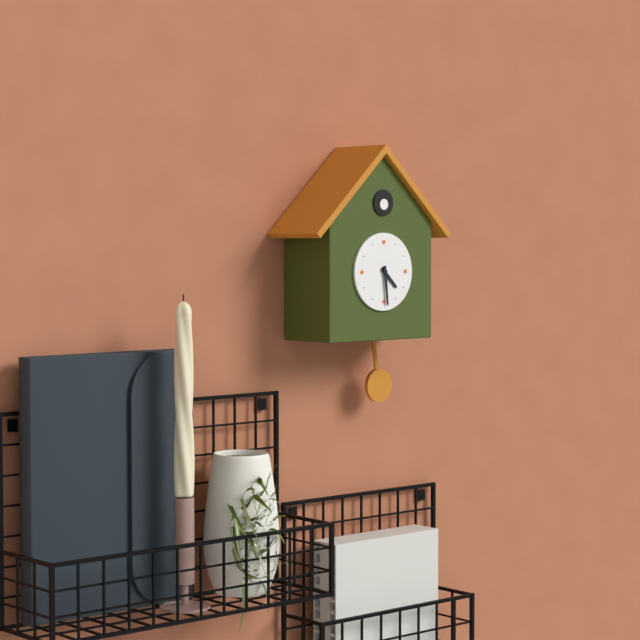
4 h 29 min
